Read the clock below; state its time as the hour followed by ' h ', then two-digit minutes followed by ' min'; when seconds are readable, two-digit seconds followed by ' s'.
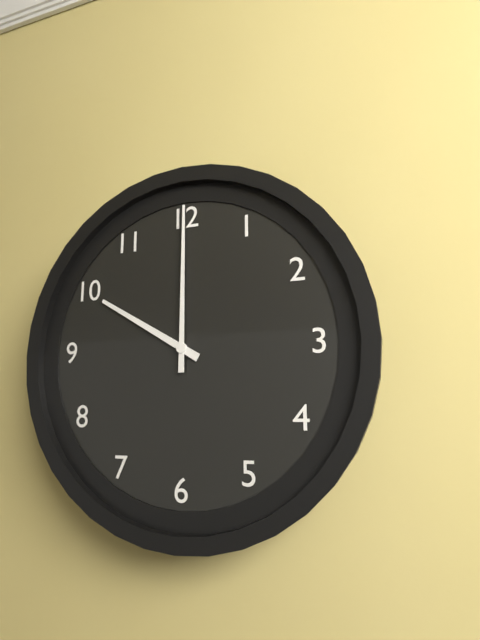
10 h 00 min
